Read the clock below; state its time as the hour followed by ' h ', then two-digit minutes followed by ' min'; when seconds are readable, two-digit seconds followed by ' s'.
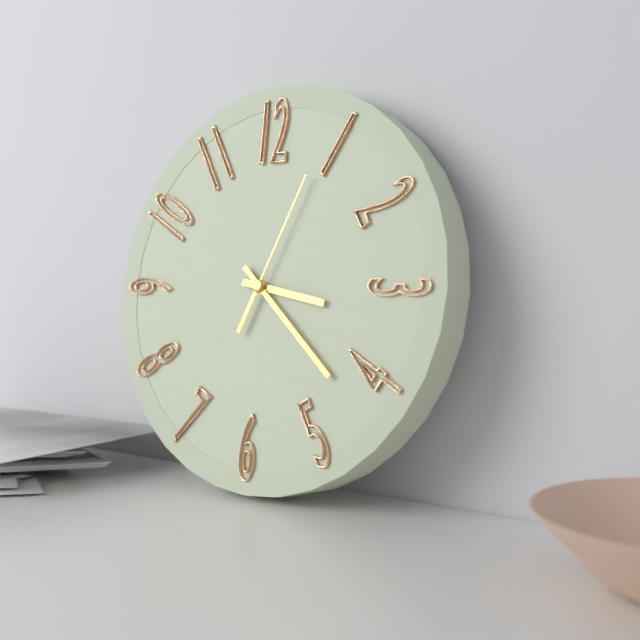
3 h 22 min 04 s
